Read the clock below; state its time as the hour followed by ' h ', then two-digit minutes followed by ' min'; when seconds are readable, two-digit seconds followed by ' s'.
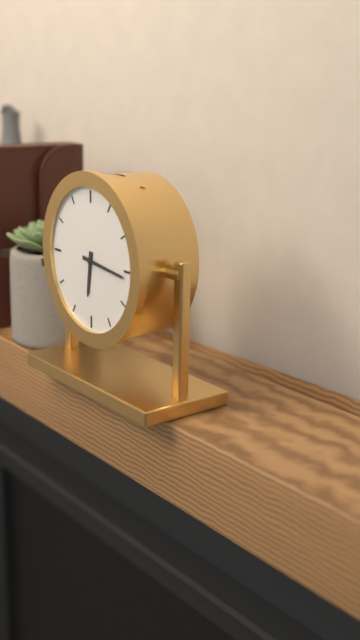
6 h 16 min
